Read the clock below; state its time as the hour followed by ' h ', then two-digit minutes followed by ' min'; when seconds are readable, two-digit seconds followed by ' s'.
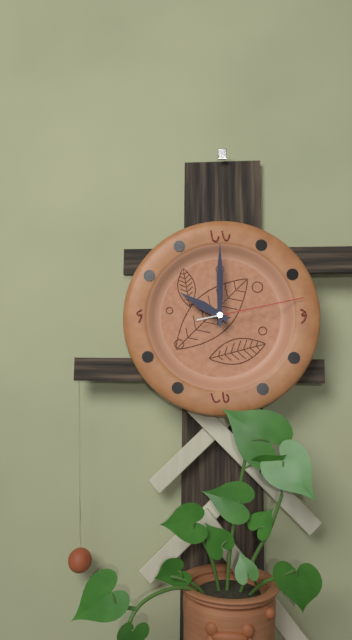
10 h 00 min 13 s
